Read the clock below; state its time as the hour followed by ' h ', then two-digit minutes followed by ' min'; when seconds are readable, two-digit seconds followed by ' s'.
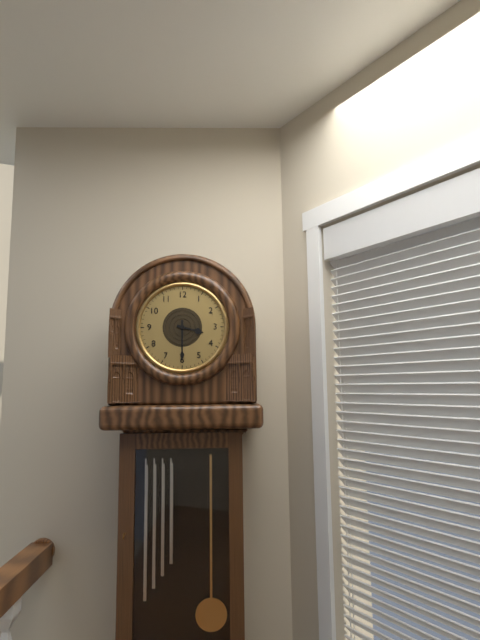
3 h 30 min
